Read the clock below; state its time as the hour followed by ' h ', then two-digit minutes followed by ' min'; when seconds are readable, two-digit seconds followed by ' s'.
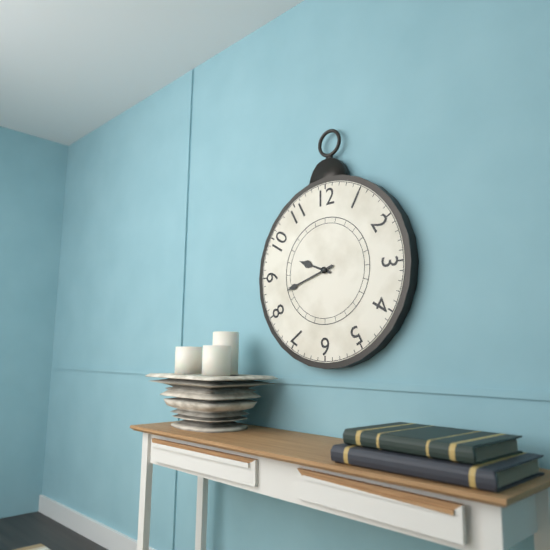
9 h 42 min
